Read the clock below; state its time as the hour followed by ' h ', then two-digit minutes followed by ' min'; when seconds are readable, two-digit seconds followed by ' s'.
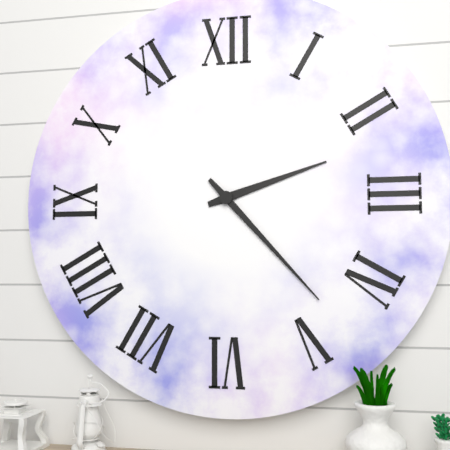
2 h 23 min
